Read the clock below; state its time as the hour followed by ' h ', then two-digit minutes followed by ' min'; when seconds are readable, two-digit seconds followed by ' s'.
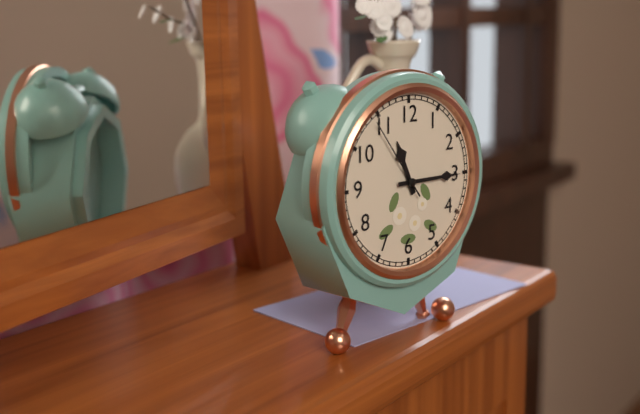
11 h 15 min 54 s
